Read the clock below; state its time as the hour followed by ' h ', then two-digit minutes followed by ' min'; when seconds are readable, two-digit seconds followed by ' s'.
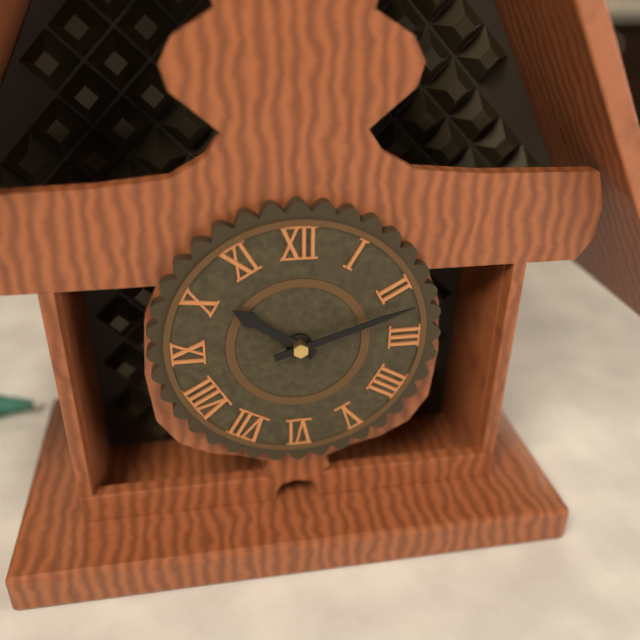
10 h 12 min
